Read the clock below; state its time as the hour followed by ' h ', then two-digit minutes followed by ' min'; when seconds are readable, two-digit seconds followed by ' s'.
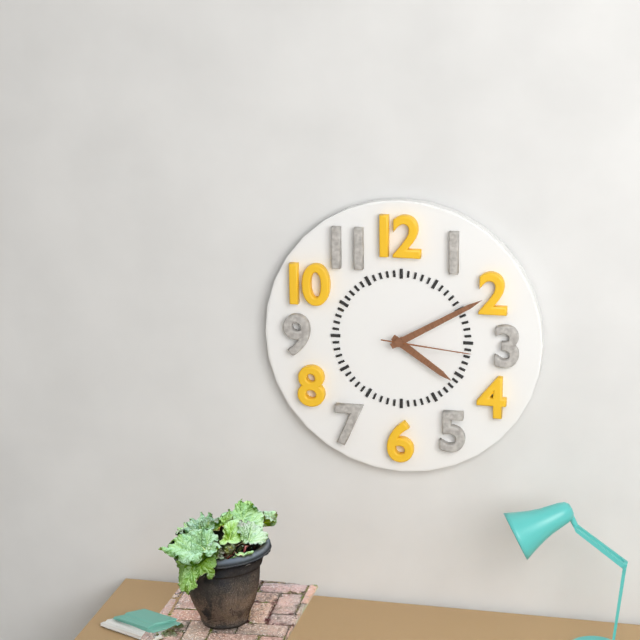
4 h 10 min 16 s
